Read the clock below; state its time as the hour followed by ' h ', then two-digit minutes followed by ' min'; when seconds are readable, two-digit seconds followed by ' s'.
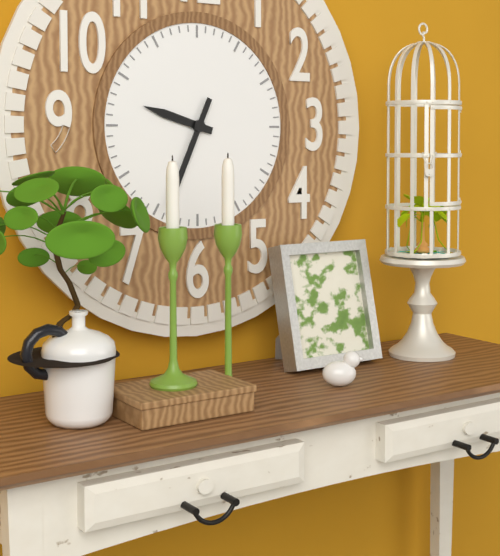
9 h 34 min
